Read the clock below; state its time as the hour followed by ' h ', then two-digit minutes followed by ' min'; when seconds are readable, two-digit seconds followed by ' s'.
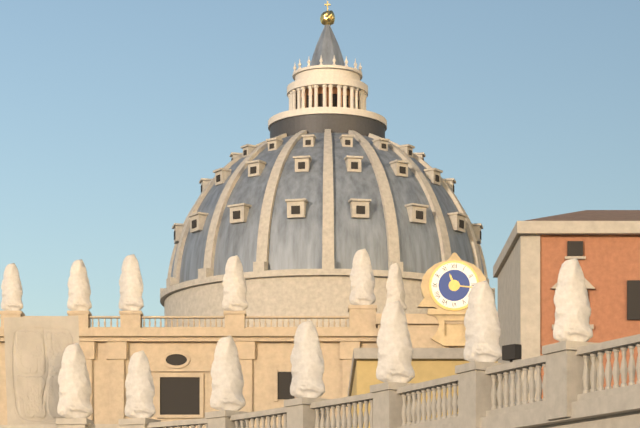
11 h 16 min
